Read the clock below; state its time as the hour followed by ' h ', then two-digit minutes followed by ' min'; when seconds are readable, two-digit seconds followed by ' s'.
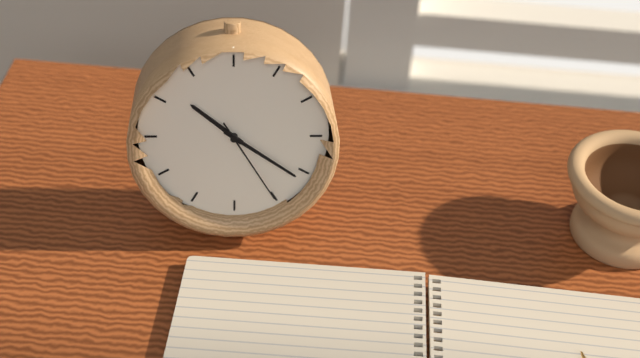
10 h 21 min 25 s
